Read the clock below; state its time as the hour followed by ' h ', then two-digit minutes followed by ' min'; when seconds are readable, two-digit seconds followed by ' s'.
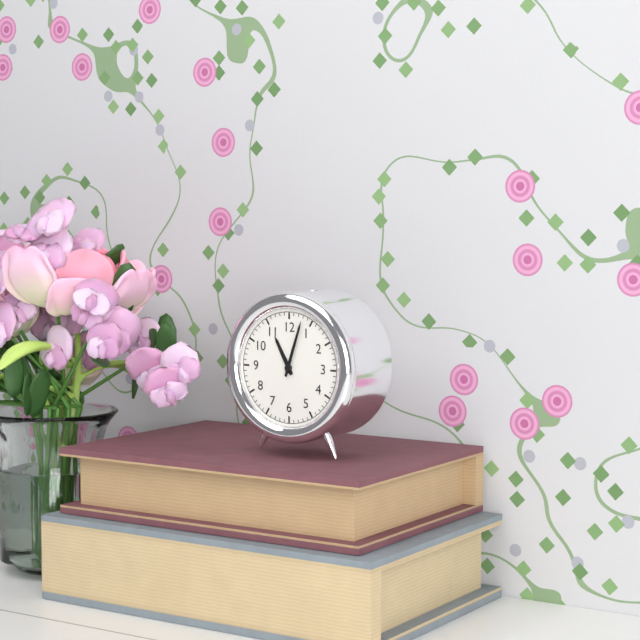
11 h 03 min
